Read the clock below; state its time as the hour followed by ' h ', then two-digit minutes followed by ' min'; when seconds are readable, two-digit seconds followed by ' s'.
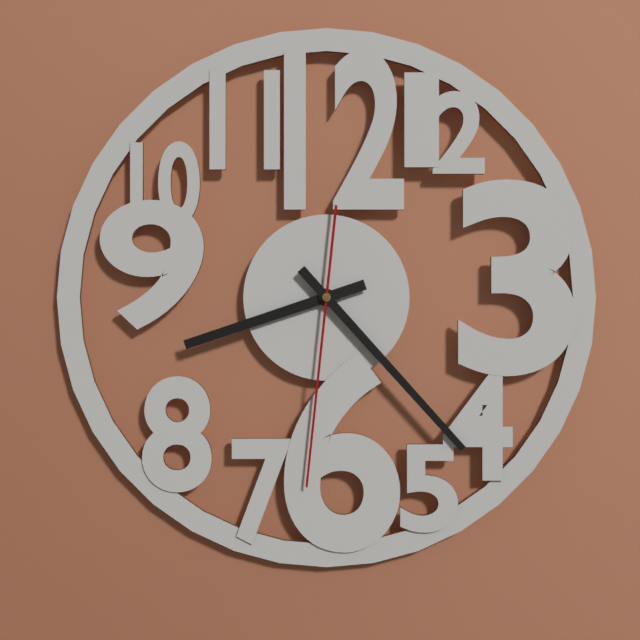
8 h 23 min 31 s
